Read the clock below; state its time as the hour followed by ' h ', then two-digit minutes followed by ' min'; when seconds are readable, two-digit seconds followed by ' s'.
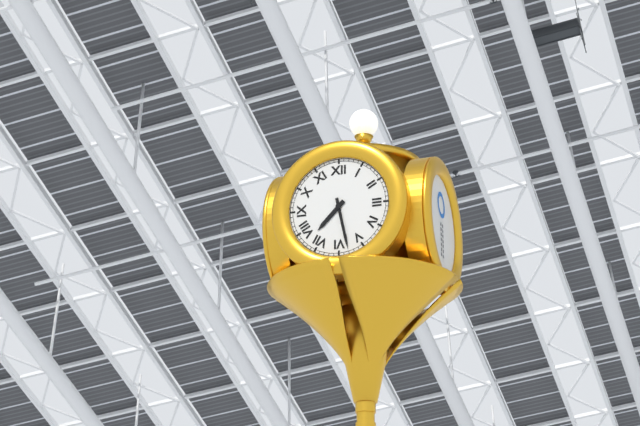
7 h 28 min
